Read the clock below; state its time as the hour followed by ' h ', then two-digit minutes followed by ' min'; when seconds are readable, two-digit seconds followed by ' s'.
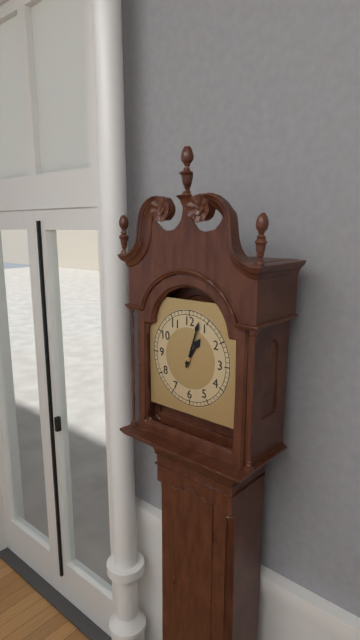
1 h 03 min
